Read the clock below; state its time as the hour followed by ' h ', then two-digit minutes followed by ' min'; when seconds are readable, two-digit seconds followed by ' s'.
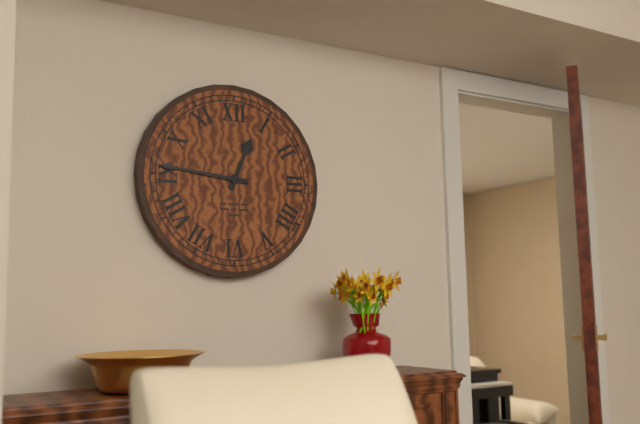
12 h 46 min
